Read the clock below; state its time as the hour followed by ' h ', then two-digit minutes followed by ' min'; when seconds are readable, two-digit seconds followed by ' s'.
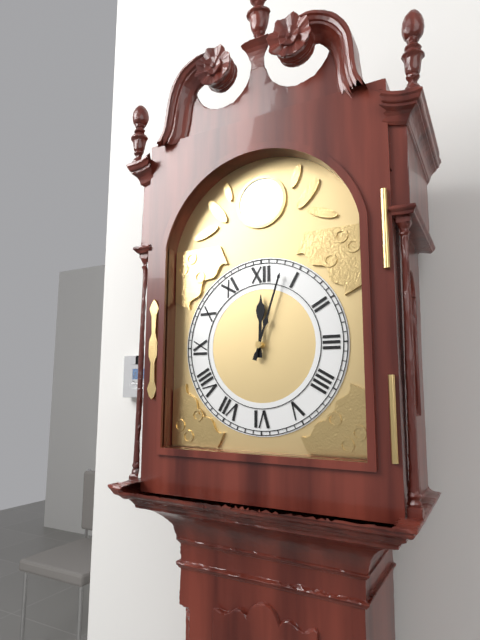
12 h 03 min
